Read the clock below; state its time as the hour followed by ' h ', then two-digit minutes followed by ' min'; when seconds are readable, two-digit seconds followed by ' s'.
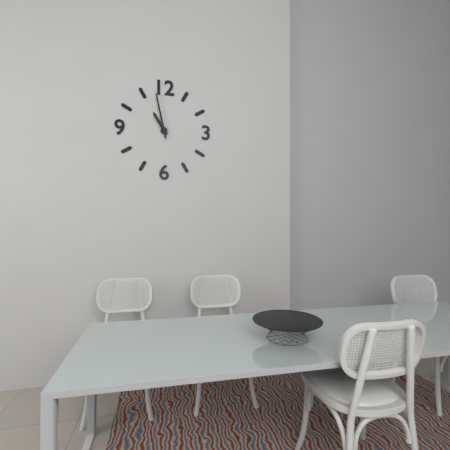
10 h 58 min
